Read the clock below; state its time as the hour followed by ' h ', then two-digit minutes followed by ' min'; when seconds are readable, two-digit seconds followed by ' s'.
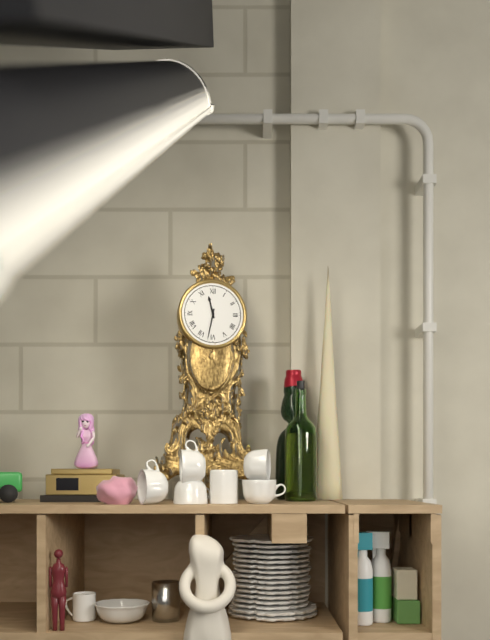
11 h 32 min
